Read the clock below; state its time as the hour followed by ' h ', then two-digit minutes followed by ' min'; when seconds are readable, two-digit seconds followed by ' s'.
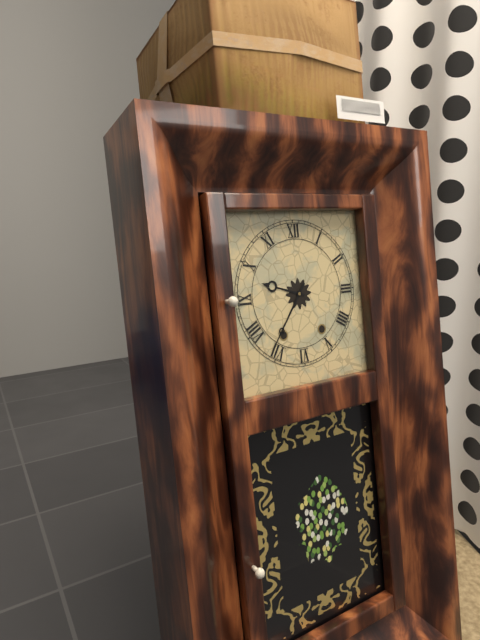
9 h 36 min
